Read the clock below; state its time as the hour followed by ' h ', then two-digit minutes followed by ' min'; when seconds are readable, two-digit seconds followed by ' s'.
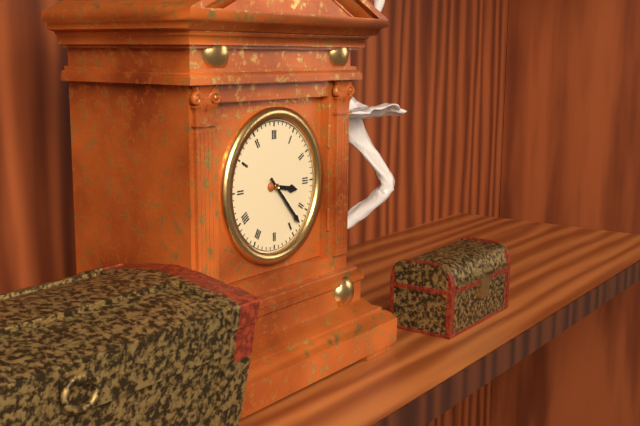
3 h 23 min
